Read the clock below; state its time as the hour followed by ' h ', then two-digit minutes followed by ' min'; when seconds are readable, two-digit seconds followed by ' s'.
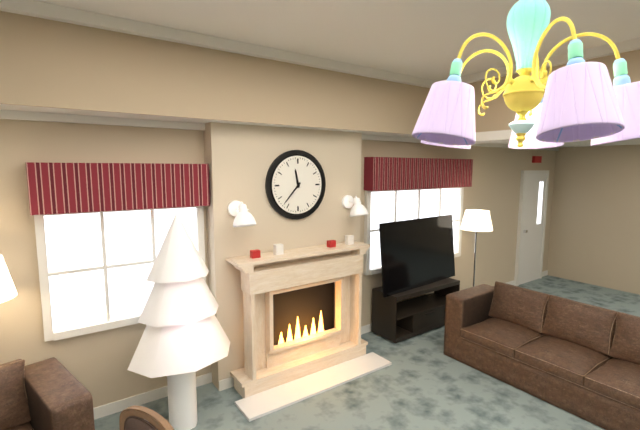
11 h 37 min
